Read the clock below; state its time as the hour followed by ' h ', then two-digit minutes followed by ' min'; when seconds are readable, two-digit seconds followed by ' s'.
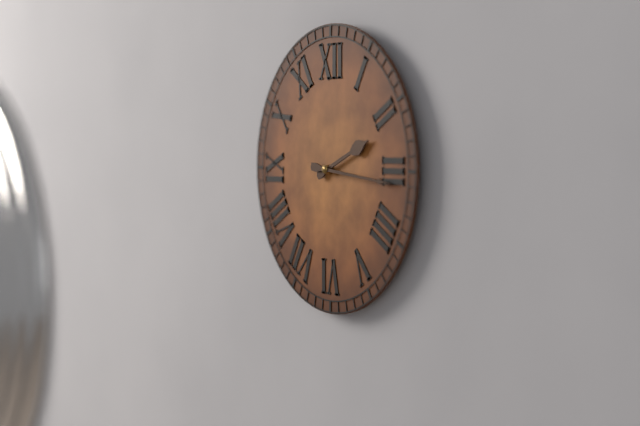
2 h 16 min
